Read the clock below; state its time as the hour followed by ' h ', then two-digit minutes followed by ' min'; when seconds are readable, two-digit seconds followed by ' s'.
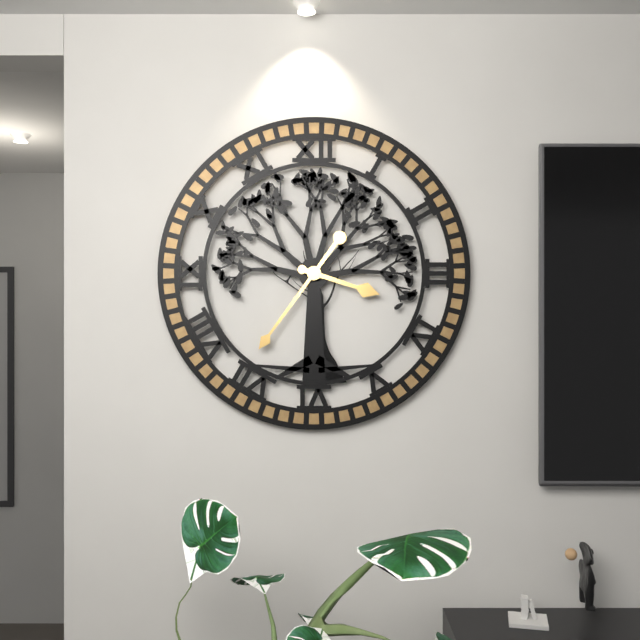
3 h 36 min
